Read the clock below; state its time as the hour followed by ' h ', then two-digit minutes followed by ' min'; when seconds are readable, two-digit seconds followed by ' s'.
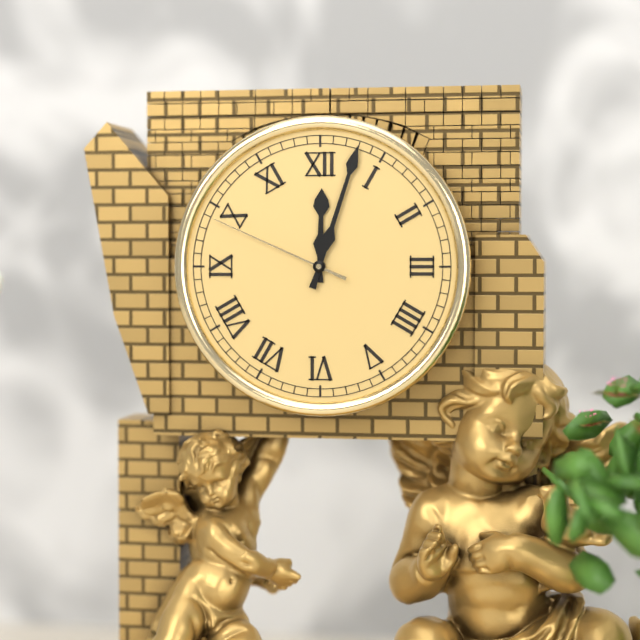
12 h 03 min 49 s
